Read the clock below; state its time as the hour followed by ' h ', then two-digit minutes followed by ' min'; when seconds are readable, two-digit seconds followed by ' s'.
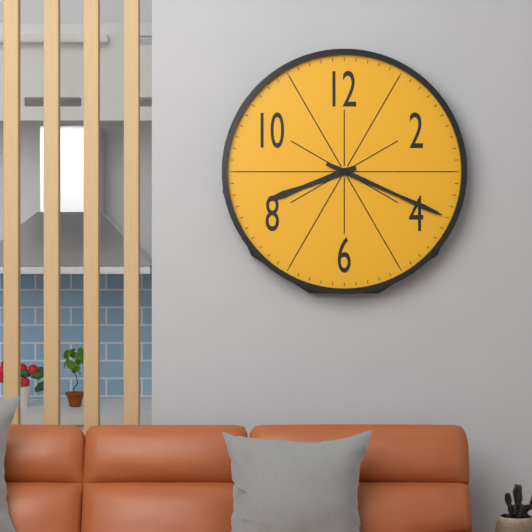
8 h 19 min
